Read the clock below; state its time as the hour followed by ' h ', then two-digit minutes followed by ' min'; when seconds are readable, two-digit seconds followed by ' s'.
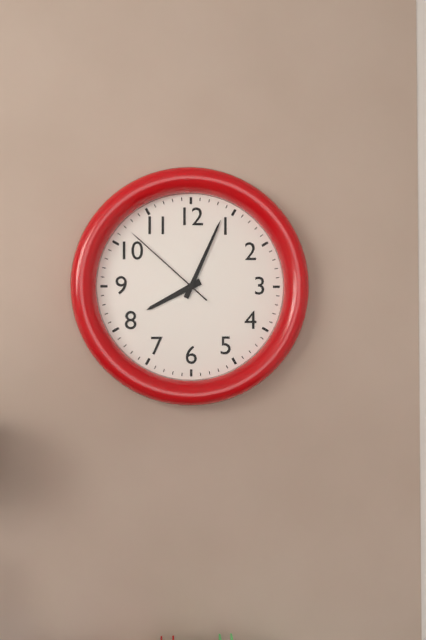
8 h 04 min 52 s
